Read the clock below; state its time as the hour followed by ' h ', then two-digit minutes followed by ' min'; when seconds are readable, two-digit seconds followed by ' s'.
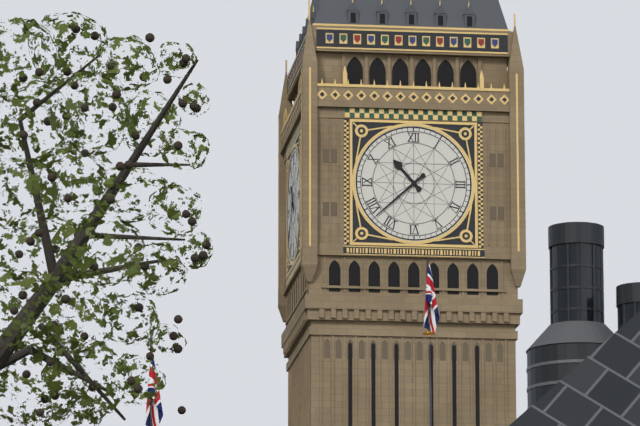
10 h 38 min
